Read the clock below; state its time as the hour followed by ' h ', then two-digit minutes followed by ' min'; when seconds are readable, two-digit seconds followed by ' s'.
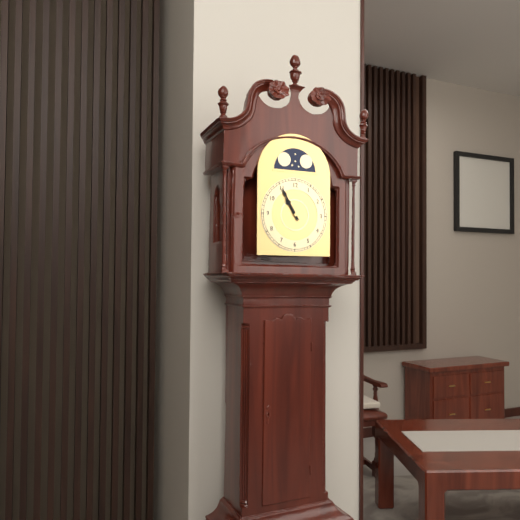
10 h 55 min
